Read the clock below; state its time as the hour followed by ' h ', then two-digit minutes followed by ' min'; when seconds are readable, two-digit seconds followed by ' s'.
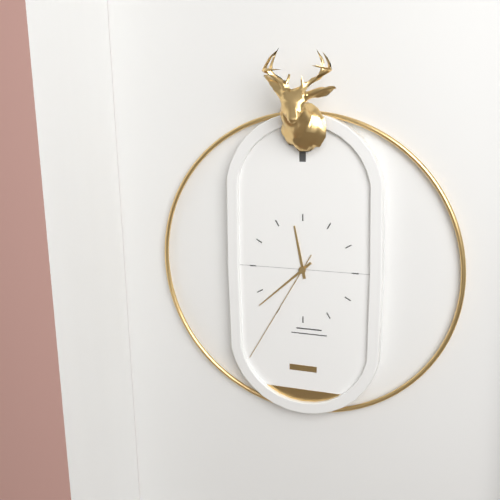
11 h 38 min 35 s
